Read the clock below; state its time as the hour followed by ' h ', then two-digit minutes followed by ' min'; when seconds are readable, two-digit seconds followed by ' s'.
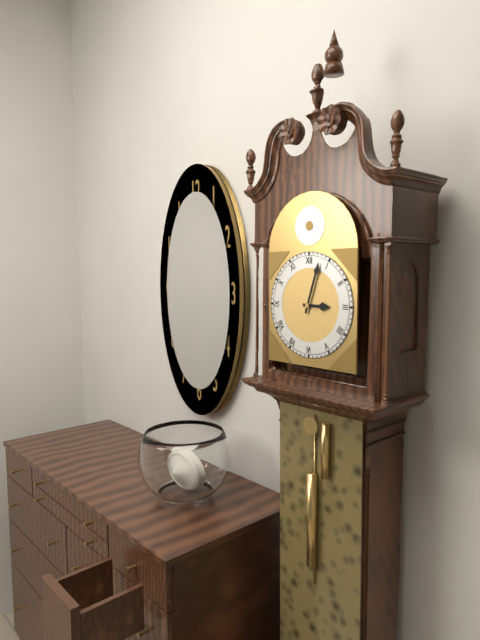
3 h 03 min
